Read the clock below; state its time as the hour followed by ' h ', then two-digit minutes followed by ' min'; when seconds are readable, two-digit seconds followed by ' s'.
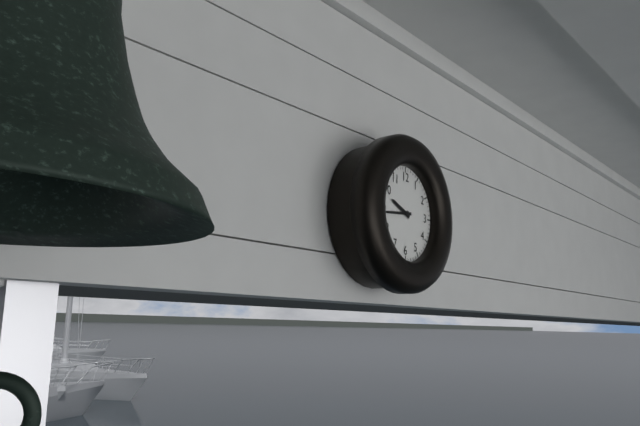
9 h 44 min
